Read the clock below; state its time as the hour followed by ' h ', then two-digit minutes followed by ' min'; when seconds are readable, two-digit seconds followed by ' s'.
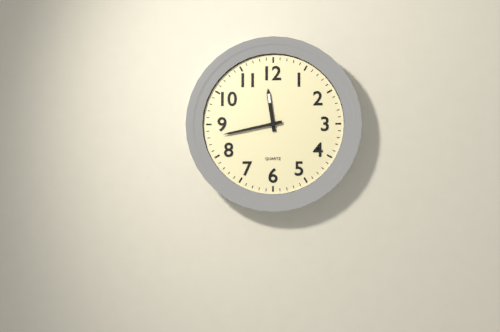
11 h 43 min
